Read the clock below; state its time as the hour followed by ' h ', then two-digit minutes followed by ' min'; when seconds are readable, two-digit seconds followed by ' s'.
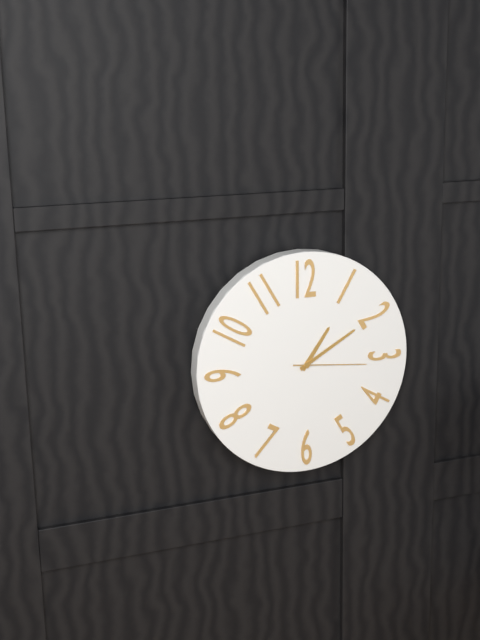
1 h 10 min 16 s
